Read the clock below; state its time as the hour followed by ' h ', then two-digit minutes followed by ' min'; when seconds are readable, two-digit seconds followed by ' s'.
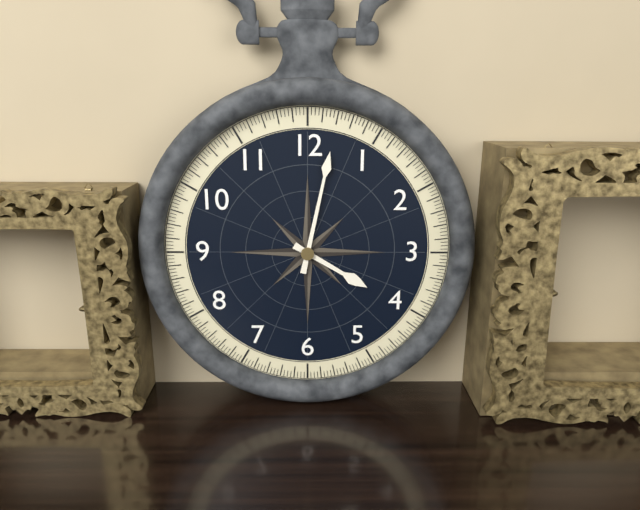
4 h 02 min
